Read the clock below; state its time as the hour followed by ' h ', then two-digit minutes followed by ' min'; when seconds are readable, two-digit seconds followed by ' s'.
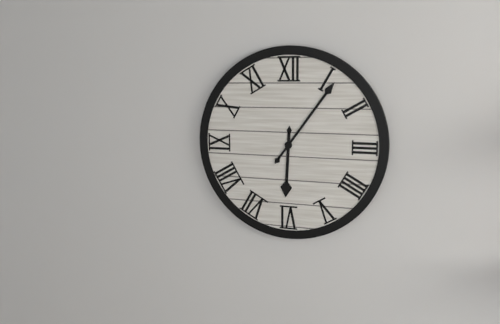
6 h 06 min
